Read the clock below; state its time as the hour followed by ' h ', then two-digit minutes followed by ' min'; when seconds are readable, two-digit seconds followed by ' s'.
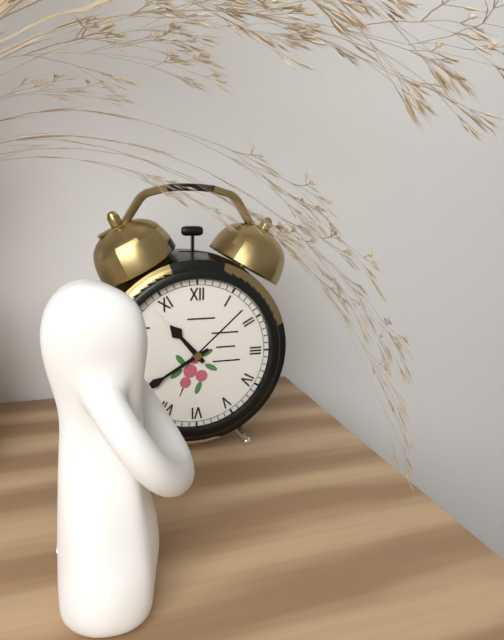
10 h 40 min
